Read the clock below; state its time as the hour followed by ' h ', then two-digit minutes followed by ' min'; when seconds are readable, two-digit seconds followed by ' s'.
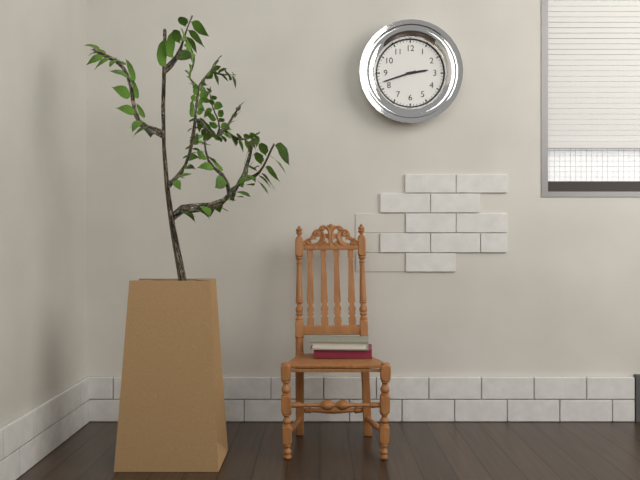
2 h 42 min
